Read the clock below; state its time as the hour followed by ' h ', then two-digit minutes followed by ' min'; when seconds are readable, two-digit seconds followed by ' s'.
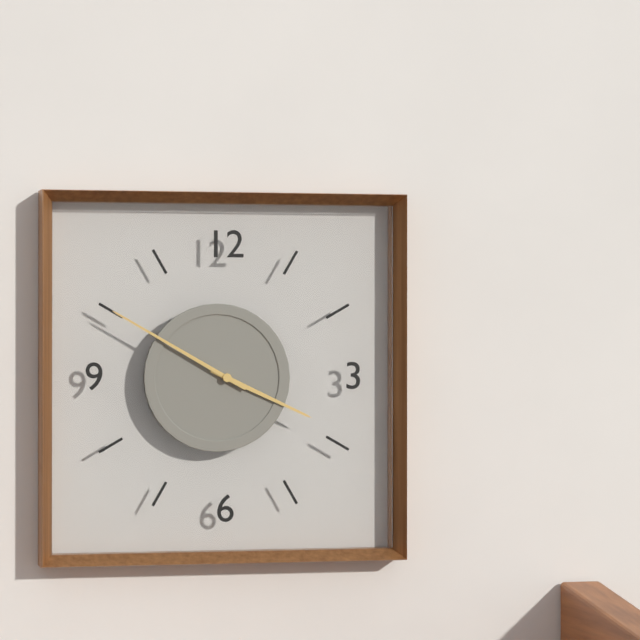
3 h 50 min
